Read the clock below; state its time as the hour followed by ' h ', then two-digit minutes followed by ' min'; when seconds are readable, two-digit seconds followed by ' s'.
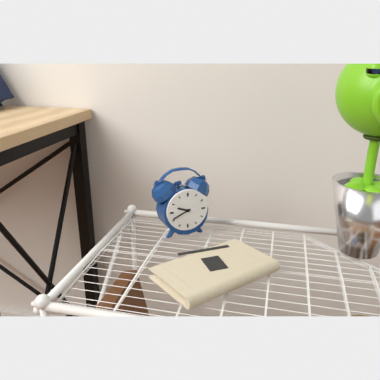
9 h 41 min
